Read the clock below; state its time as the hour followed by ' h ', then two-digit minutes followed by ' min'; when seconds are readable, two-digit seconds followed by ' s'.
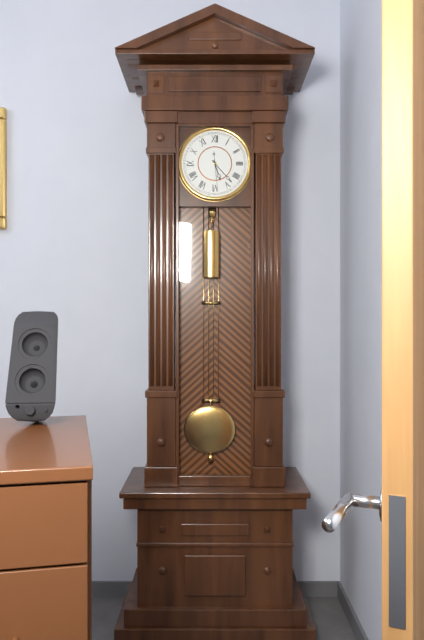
5 h 23 min
